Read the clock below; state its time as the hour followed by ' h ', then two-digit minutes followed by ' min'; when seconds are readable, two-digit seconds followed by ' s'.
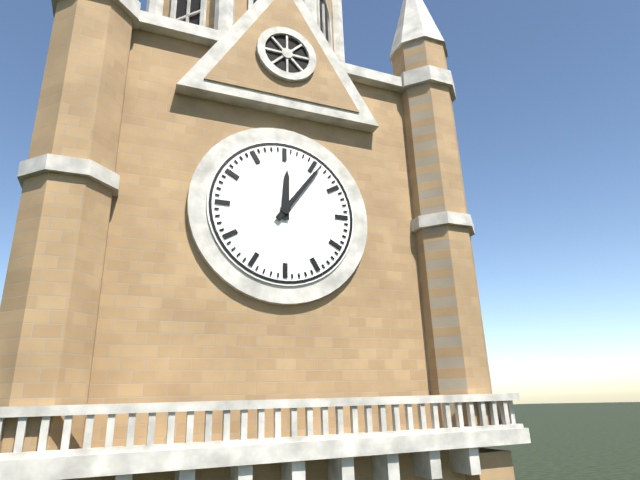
12 h 06 min
